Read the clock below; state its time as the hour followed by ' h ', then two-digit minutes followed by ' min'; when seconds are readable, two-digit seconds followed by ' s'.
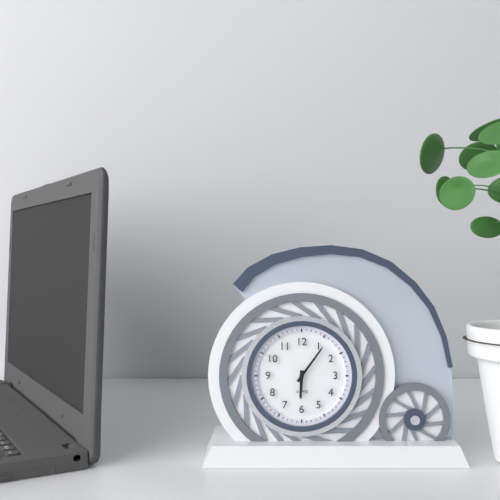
6 h 06 min
